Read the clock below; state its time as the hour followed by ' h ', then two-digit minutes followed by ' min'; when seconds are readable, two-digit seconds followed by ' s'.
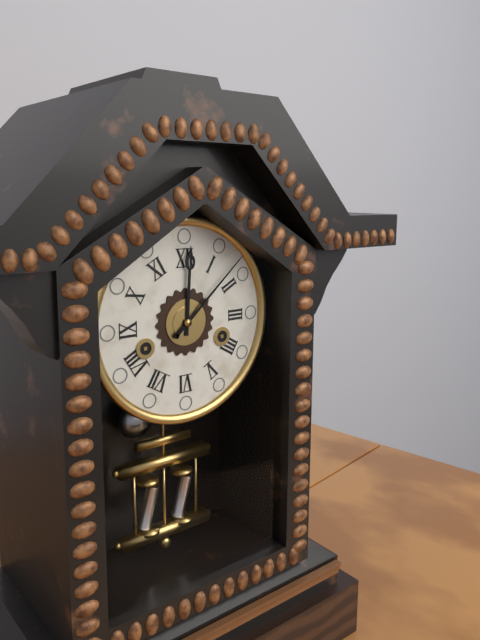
12 h 08 min
